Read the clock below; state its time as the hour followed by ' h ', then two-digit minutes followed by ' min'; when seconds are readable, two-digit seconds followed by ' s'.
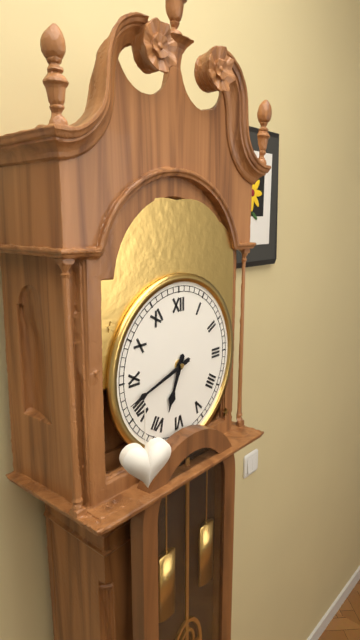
6 h 42 min
